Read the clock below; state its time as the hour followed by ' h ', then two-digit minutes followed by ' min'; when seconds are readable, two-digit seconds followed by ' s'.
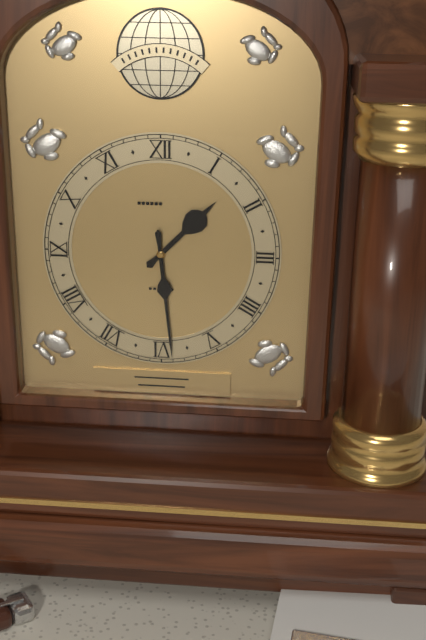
1 h 29 min
